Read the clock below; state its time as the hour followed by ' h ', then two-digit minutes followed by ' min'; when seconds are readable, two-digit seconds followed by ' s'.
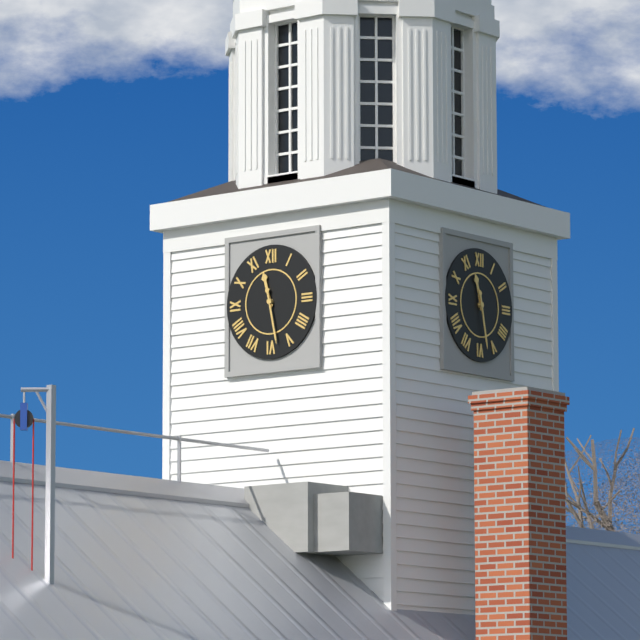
11 h 28 min
